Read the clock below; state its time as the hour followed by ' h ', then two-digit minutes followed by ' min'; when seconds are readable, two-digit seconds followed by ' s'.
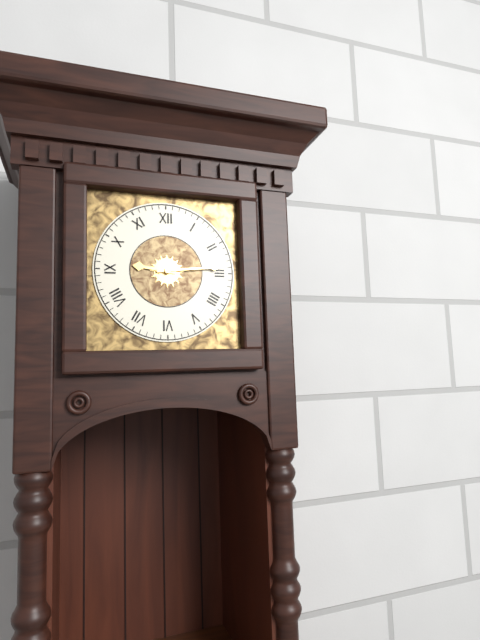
9 h 14 min
